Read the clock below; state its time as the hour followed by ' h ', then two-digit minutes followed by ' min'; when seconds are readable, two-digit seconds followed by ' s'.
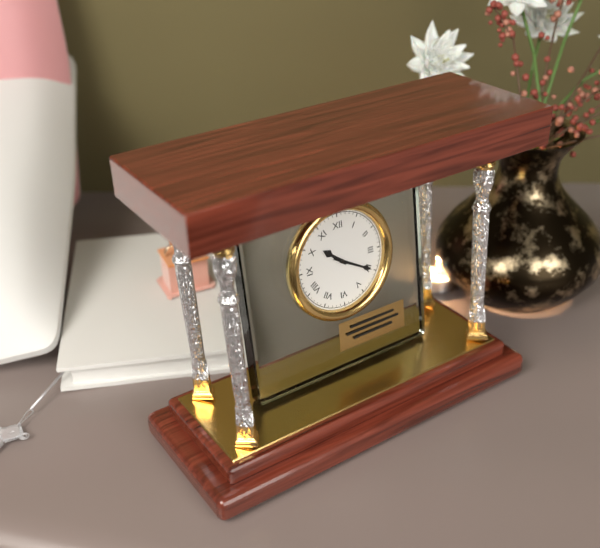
10 h 20 min
